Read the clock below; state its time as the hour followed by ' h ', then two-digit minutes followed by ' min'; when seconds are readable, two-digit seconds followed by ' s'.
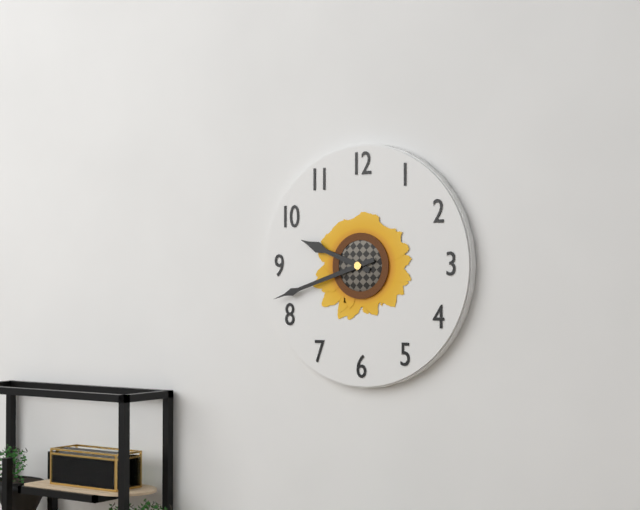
9 h 42 min
